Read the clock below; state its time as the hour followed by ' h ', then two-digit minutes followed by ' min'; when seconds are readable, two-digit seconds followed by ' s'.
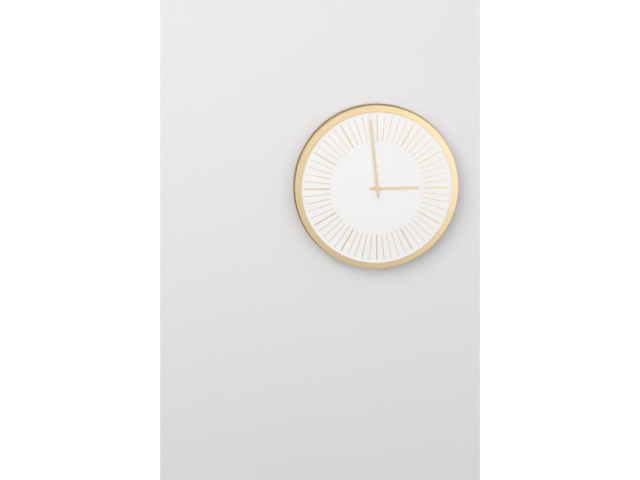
2 h 59 min
